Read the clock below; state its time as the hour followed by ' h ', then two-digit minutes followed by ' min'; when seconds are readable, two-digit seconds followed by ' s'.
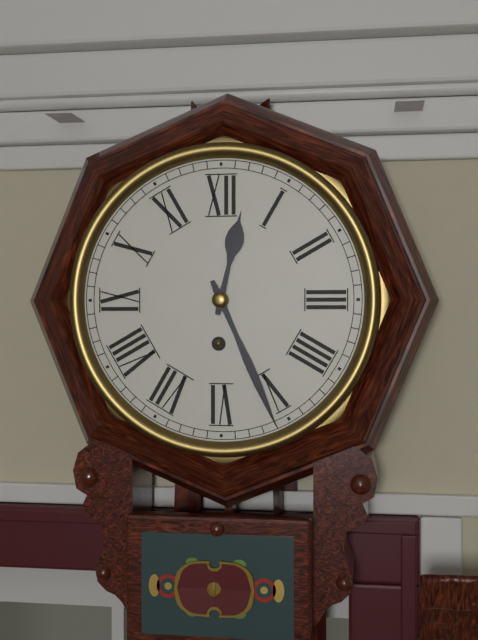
12 h 26 min
